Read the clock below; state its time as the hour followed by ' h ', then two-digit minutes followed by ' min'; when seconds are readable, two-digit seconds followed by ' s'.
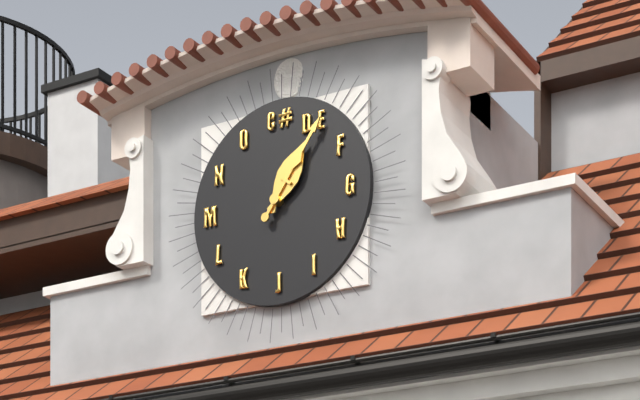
1 h 06 min
